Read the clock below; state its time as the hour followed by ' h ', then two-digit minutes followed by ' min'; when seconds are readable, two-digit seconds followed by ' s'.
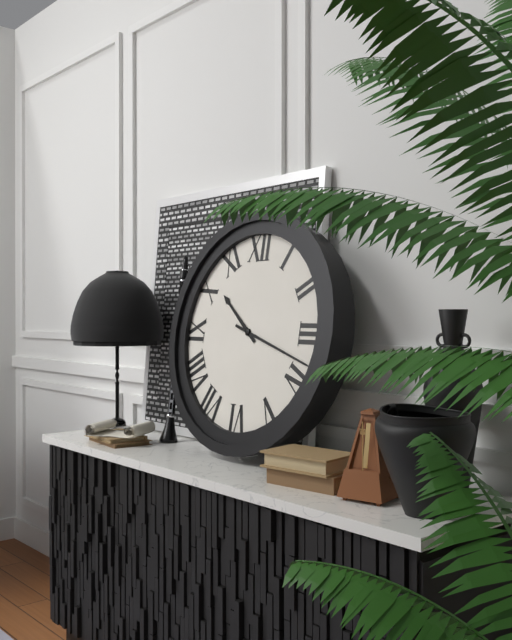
10 h 18 min
